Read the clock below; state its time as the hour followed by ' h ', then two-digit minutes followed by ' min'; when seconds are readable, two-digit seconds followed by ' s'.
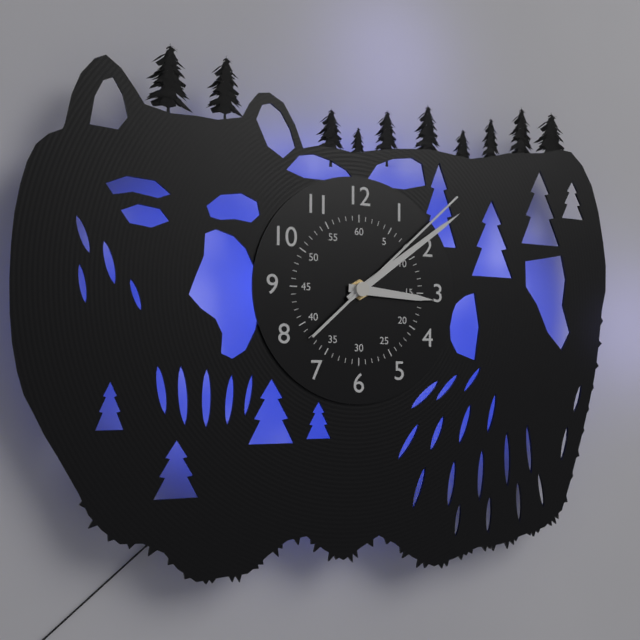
3 h 09 min 08 s
